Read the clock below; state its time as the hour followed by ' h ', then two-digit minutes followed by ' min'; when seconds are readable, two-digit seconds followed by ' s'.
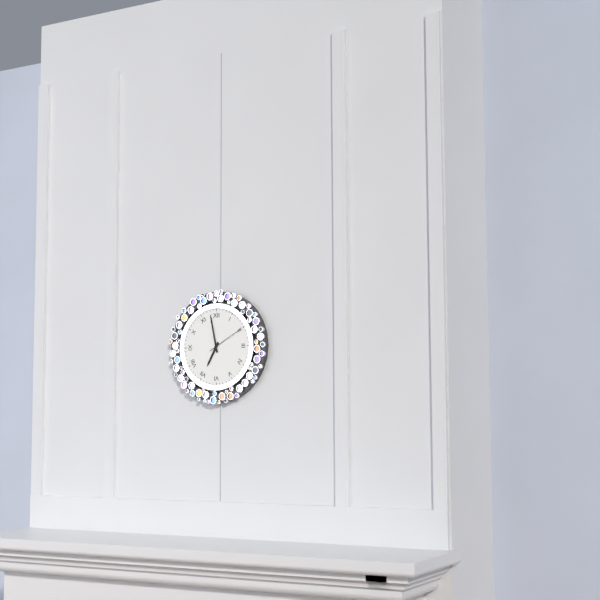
6 h 58 min
